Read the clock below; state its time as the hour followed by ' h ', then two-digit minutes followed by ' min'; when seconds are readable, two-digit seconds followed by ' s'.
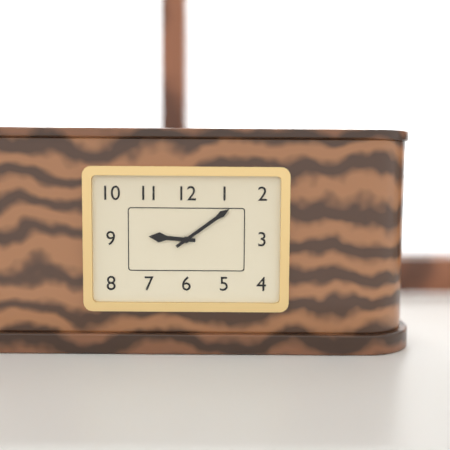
9 h 09 min
